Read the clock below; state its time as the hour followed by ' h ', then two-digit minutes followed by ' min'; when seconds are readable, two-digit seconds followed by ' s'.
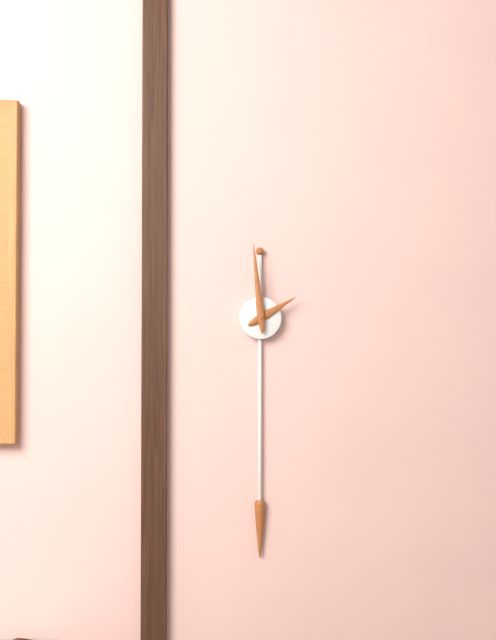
1 h 59 min
